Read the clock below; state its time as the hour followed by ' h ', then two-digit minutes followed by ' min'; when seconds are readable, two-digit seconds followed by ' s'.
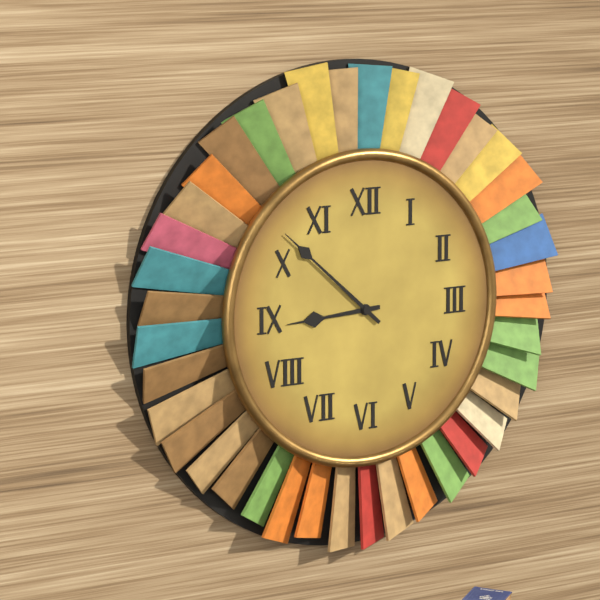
8 h 52 min
